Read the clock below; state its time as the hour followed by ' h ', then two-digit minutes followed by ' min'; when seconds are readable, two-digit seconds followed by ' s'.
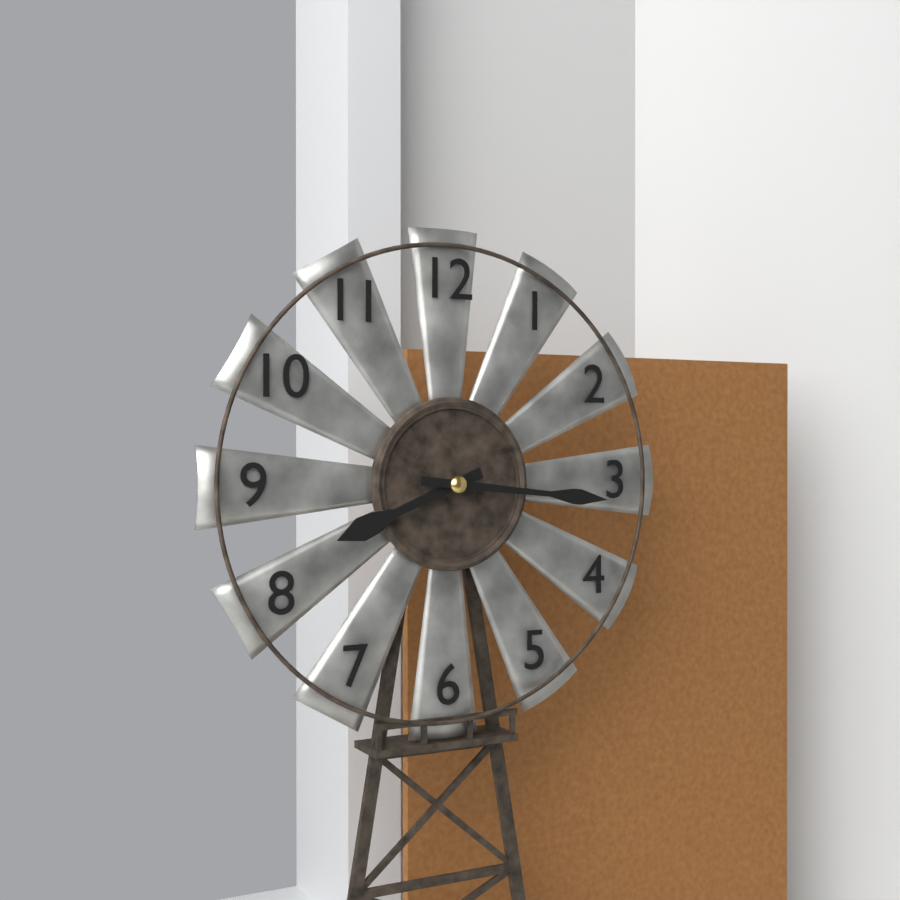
8 h 16 min
